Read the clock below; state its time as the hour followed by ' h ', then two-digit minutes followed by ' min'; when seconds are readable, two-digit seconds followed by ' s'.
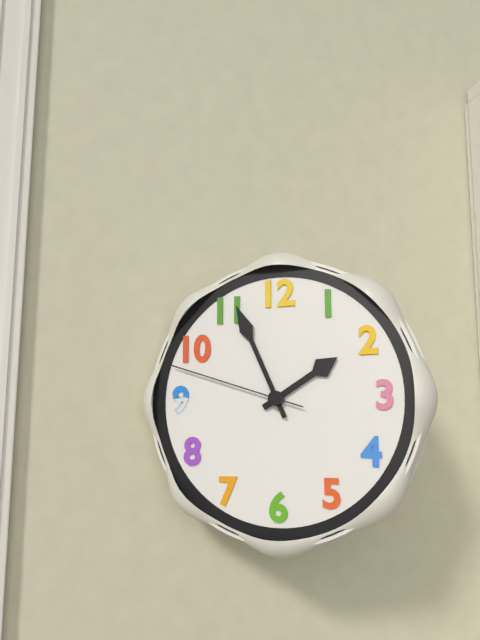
1 h 56 min 48 s
